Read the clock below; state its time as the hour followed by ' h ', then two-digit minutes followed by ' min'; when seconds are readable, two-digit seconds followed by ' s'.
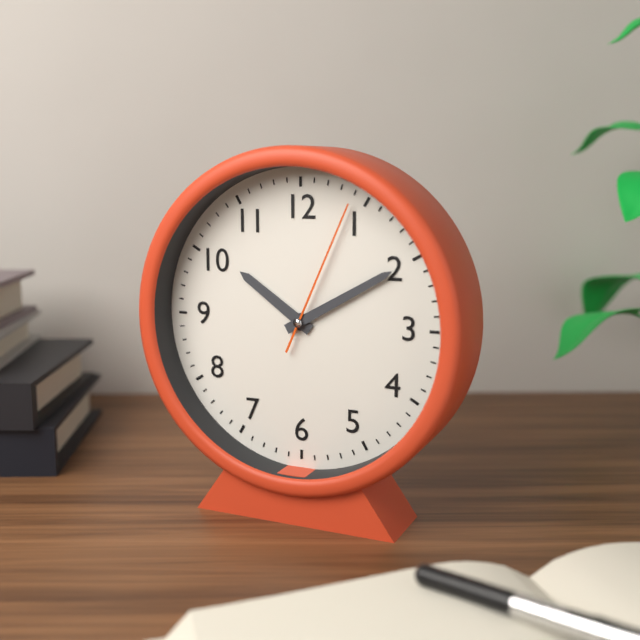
10 h 10 min 04 s
